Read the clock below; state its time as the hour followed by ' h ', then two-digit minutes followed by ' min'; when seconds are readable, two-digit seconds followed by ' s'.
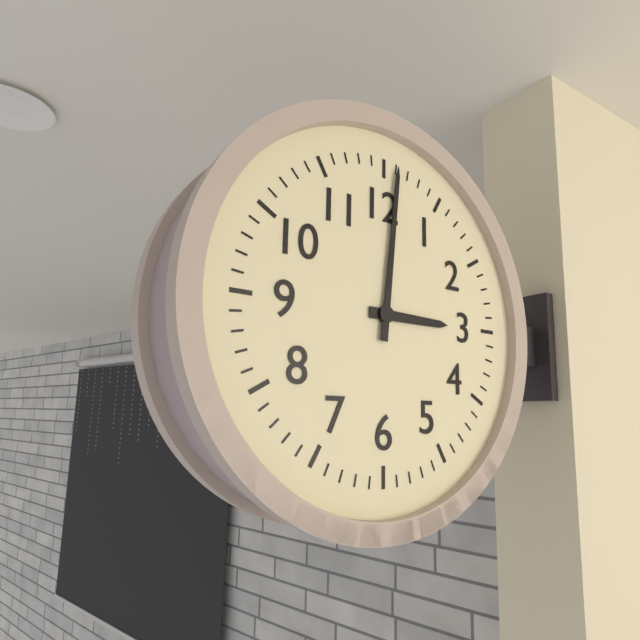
3 h 01 min
